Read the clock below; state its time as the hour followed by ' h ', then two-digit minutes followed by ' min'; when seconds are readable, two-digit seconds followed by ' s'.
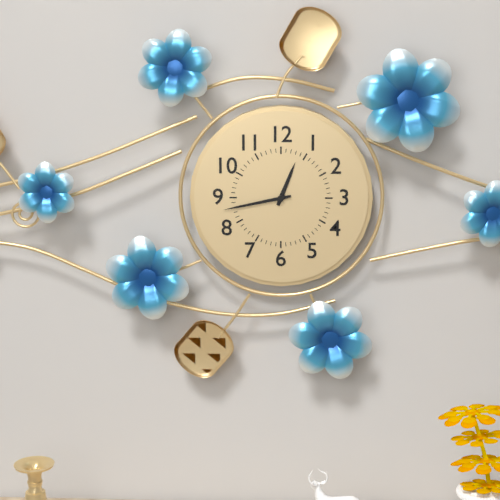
12 h 43 min
